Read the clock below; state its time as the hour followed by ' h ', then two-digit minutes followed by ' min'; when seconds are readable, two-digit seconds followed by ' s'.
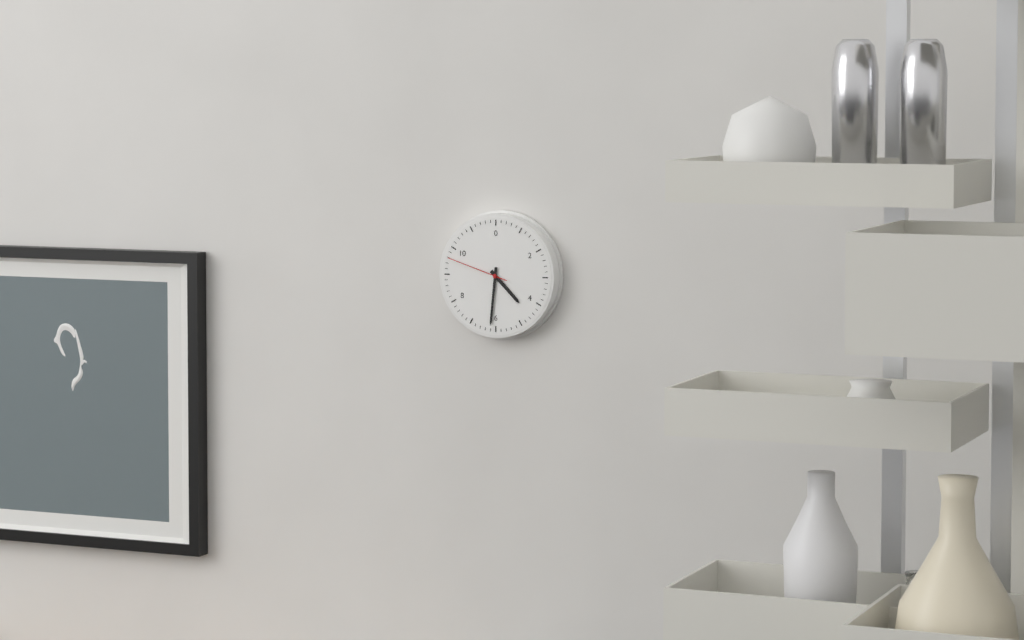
4 h 31 min 48 s
